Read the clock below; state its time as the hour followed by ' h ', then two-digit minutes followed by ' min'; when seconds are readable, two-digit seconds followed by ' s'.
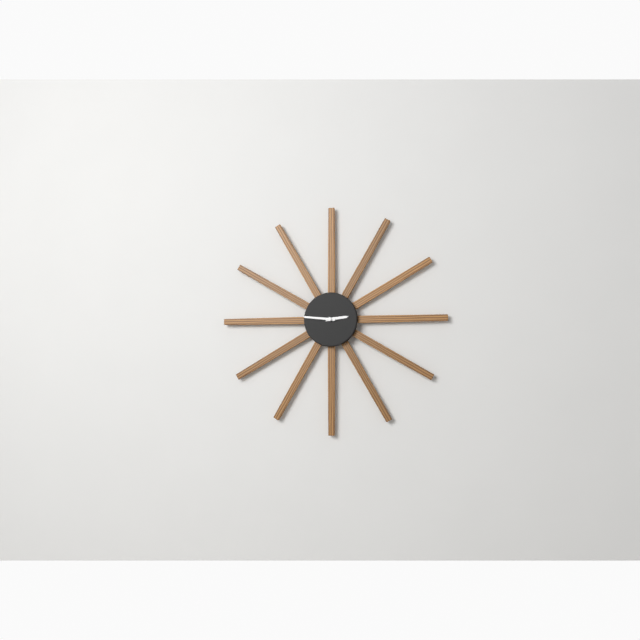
2 h 46 min
